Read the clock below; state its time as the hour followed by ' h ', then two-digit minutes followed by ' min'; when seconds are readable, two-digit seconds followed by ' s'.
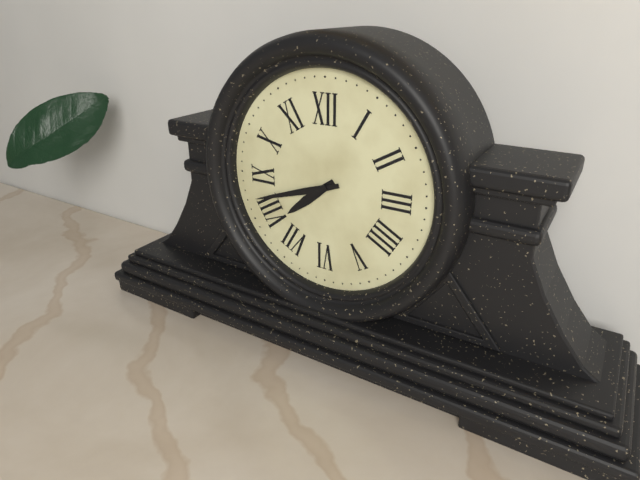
7 h 42 min
